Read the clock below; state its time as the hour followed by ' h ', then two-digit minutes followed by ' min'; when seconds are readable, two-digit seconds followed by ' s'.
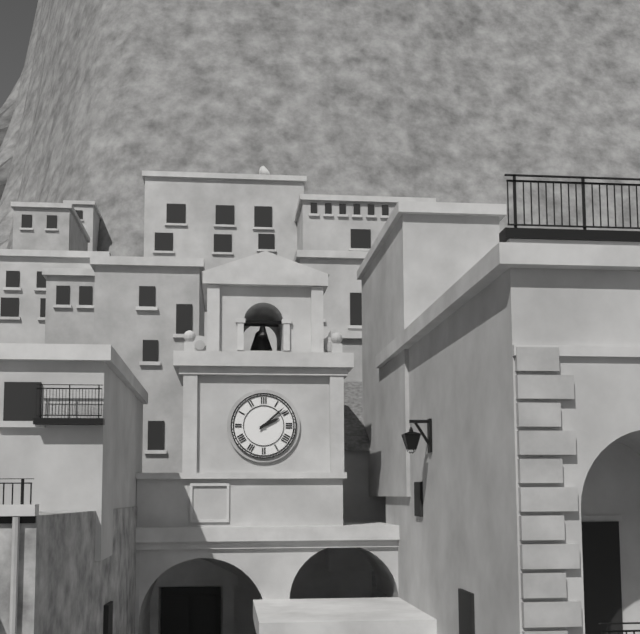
2 h 08 min
